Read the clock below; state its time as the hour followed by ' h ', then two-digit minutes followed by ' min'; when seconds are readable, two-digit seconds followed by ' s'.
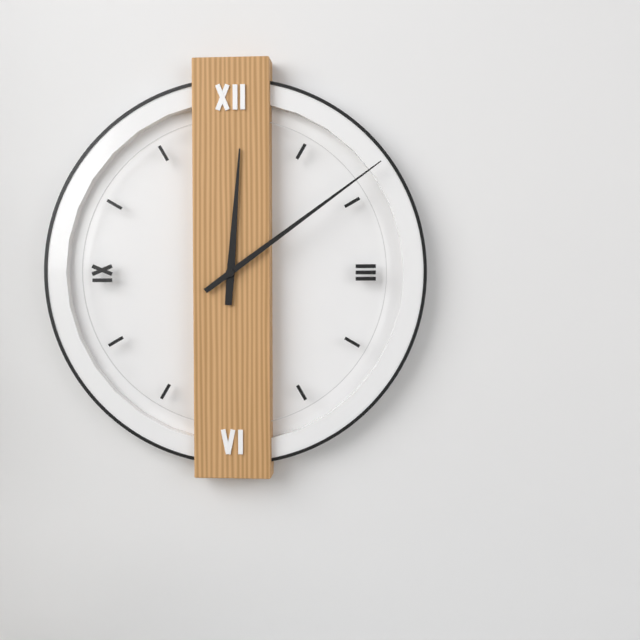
12 h 09 min
